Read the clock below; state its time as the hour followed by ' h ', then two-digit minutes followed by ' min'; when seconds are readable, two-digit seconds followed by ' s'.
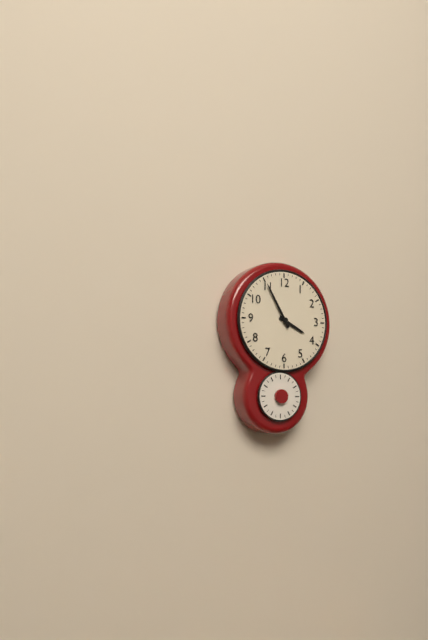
3 h 55 min
